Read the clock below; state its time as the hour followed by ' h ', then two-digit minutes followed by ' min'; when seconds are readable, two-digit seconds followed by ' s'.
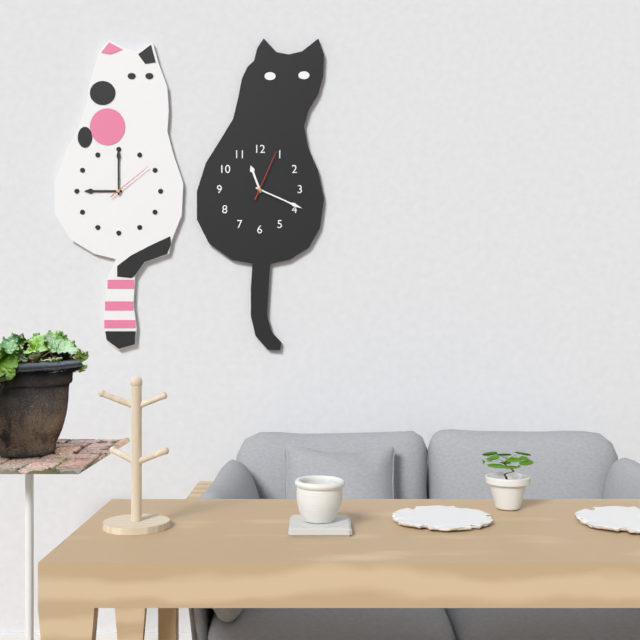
11 h 19 min 04 s
